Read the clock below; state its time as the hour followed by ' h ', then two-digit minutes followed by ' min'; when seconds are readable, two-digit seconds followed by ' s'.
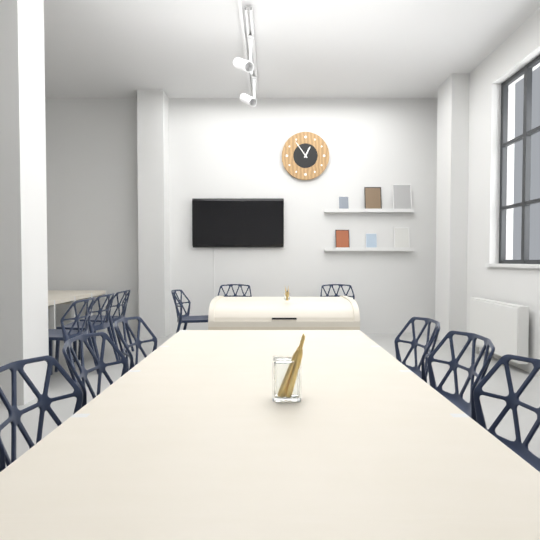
12 h 54 min
